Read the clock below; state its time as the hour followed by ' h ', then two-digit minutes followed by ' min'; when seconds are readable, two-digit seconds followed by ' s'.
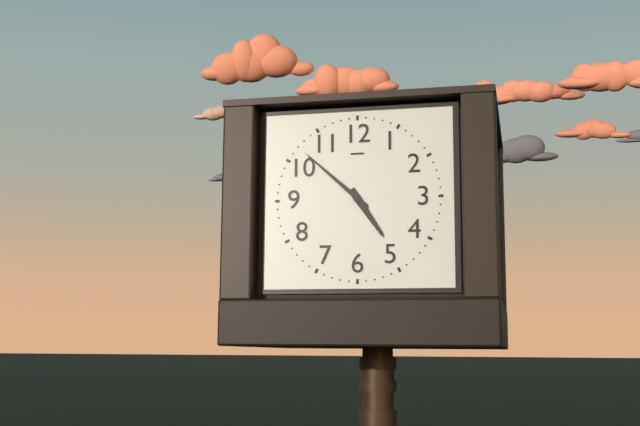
4 h 52 min
